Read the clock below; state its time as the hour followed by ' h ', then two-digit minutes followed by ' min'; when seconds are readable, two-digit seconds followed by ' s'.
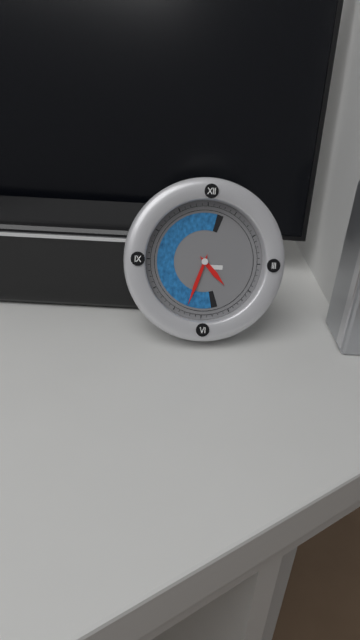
4 h 33 min
